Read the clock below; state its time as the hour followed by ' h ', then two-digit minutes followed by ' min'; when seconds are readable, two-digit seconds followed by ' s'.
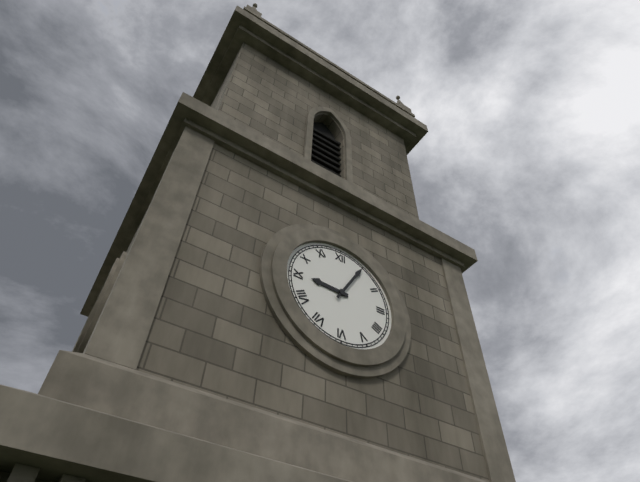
9 h 05 min
